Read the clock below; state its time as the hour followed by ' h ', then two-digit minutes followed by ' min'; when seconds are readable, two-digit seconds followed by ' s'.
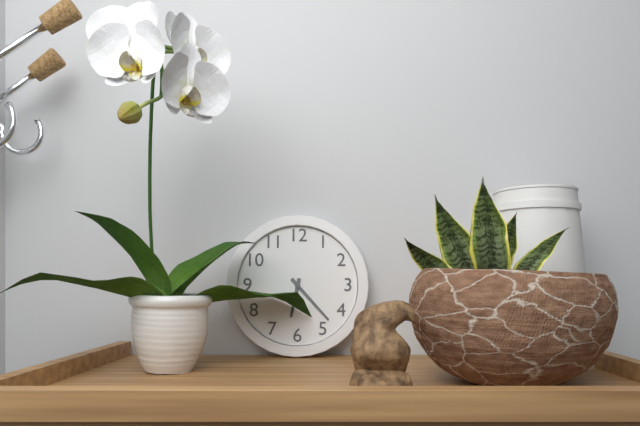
6 h 23 min
